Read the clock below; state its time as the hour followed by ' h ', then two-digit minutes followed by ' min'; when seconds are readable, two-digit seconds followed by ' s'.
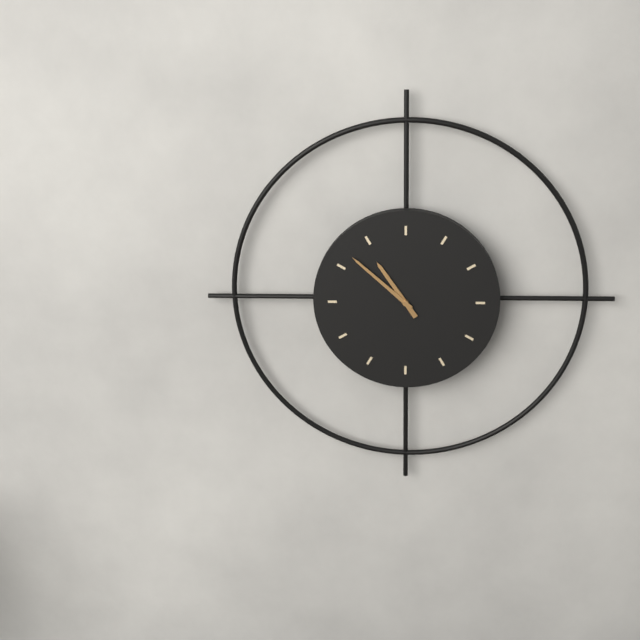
10 h 52 min
